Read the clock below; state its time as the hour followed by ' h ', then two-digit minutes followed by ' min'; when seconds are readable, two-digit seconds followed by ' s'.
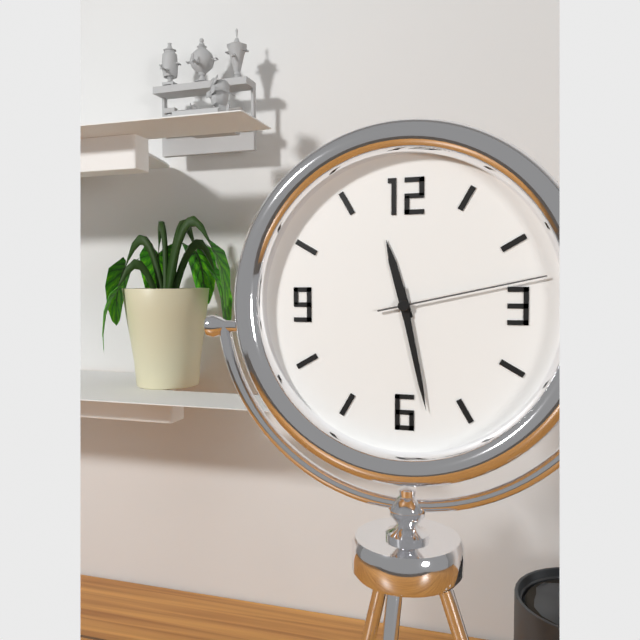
11 h 28 min 13 s
